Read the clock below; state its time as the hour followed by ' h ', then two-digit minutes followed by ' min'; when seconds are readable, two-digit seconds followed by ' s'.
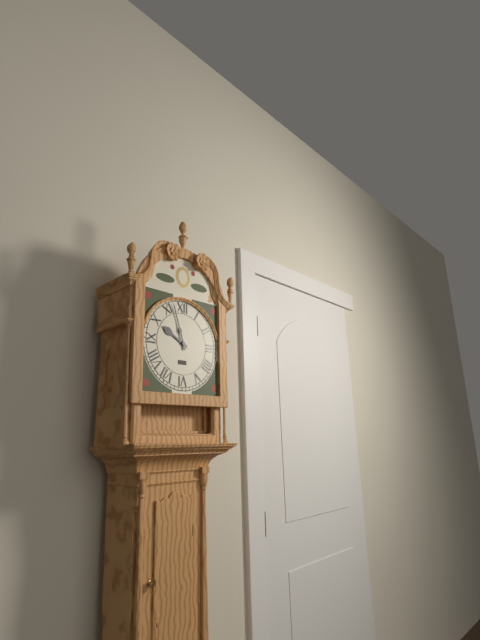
9 h 57 min
